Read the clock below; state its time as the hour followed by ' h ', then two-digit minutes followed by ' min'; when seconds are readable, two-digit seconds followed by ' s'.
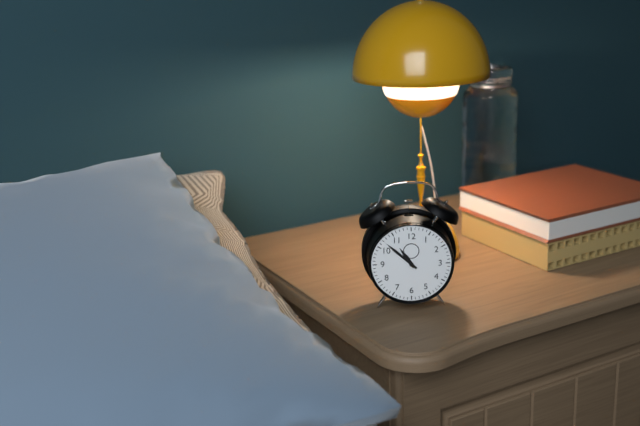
10 h 52 min
